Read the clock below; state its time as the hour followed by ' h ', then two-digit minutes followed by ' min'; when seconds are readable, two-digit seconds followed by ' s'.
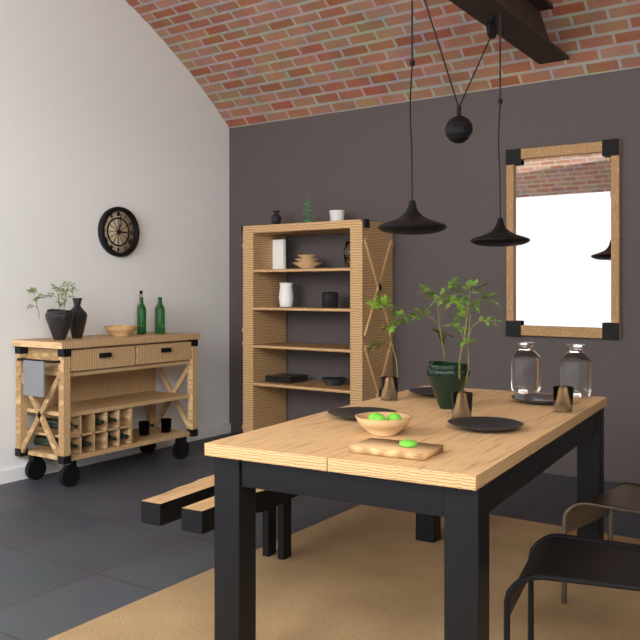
3 h 01 min
